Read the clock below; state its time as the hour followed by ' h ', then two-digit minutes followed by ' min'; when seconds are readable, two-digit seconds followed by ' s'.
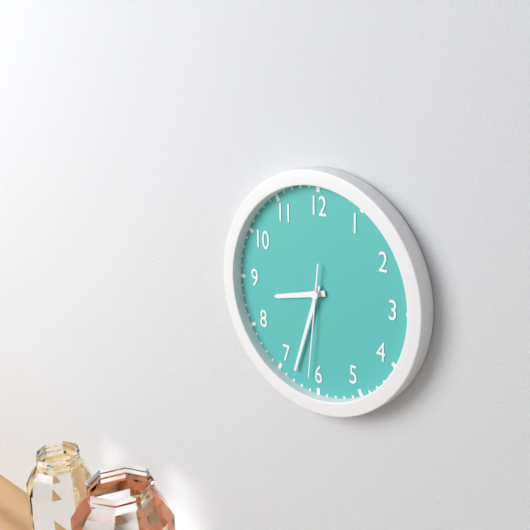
8 h 33 min 31 s
